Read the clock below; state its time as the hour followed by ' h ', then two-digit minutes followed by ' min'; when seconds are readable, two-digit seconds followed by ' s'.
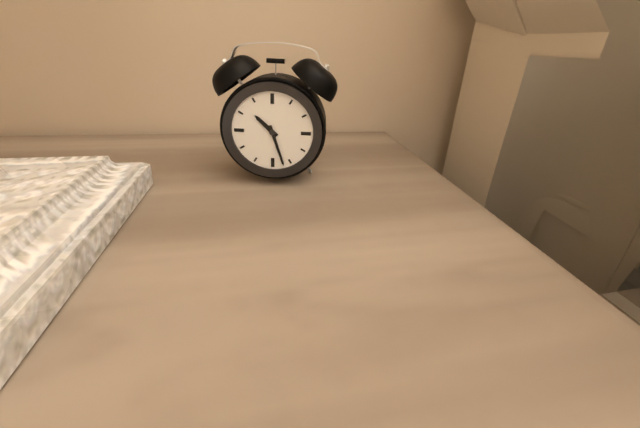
10 h 27 min
